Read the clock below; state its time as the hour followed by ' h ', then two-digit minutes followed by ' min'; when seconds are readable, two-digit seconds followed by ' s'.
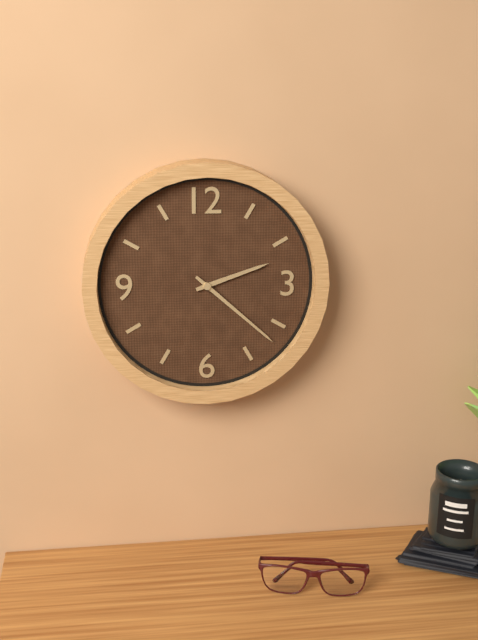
2 h 22 min
